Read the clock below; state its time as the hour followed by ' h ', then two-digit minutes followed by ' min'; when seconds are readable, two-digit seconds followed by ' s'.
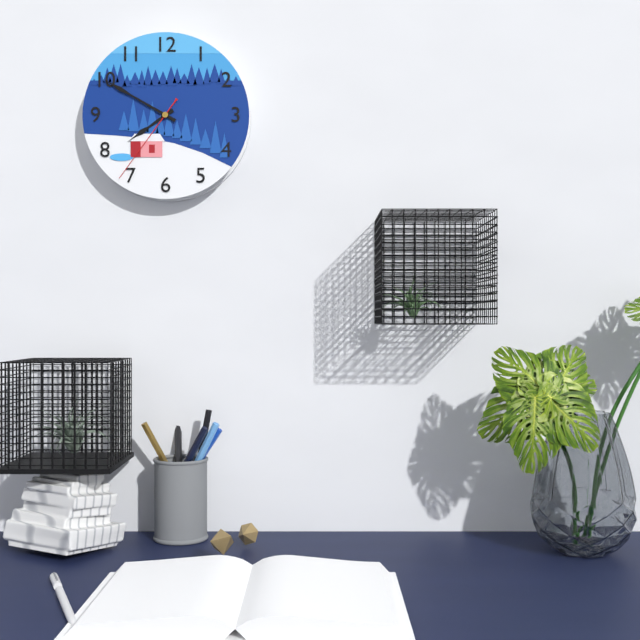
7 h 50 min 36 s
